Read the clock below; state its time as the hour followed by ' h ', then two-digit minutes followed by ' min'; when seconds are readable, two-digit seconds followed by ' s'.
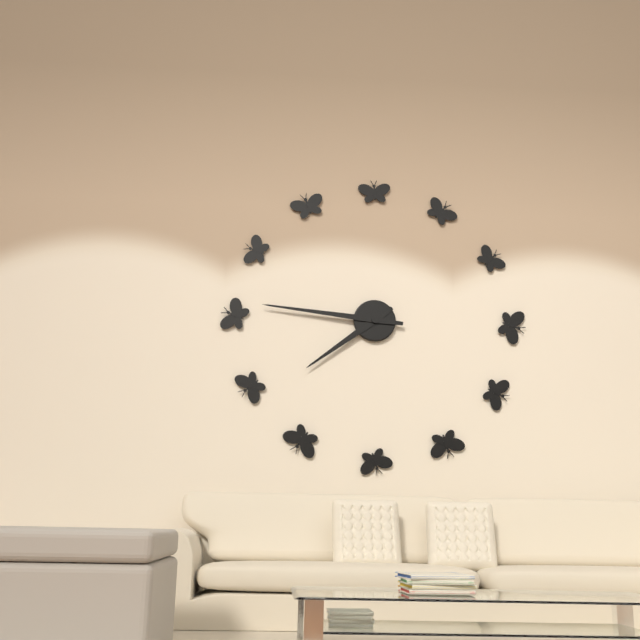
7 h 46 min
